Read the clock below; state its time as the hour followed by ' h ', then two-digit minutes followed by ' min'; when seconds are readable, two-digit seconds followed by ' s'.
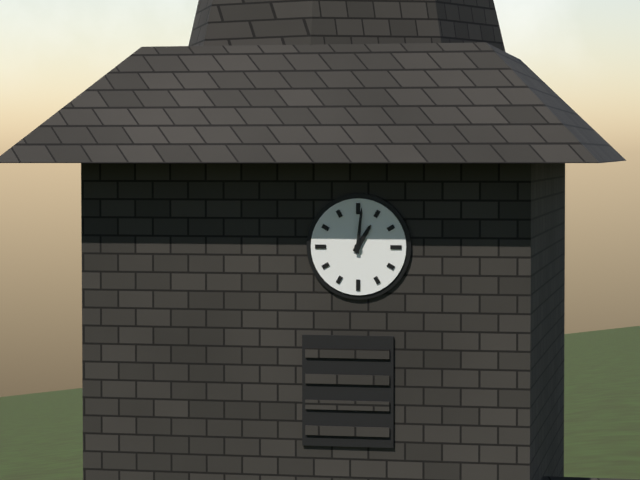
1 h 01 min
